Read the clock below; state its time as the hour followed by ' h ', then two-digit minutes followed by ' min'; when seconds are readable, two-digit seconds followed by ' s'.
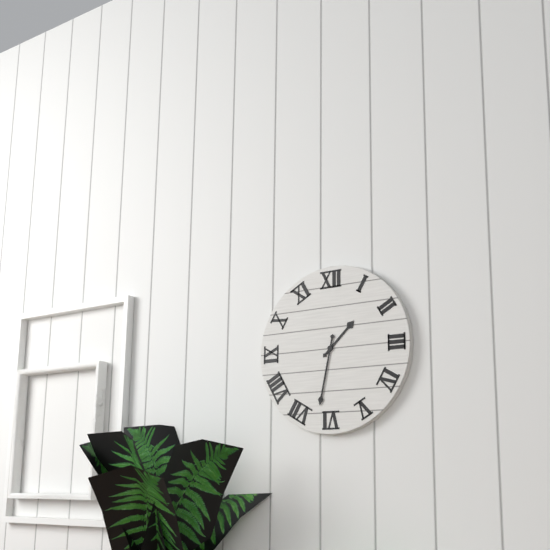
1 h 32 min
